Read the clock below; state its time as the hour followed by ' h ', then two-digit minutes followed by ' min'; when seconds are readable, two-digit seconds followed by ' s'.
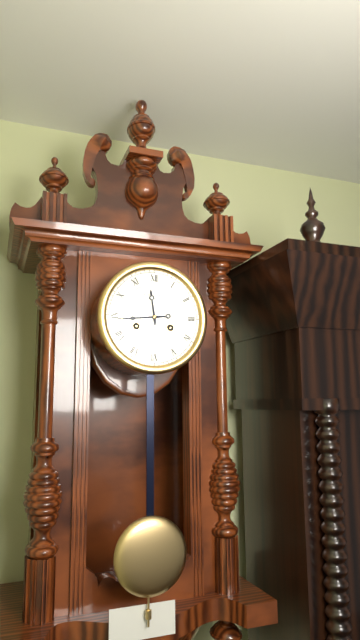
11 h 44 min
